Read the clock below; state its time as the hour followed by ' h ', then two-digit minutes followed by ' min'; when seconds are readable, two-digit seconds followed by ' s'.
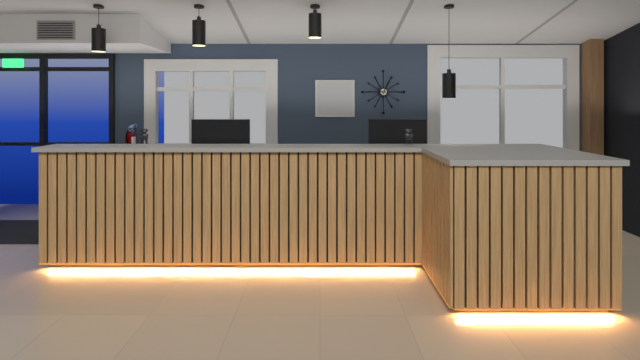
9 h 04 min
